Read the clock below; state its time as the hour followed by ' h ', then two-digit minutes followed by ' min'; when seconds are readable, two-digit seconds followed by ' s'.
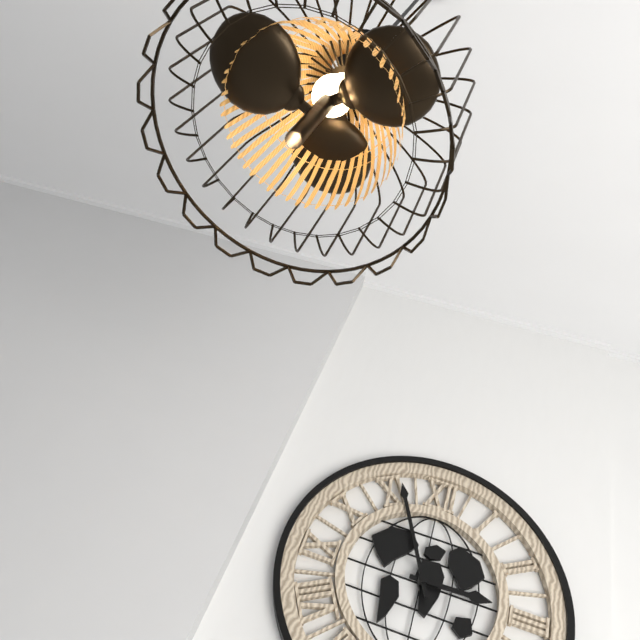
2 h 56 min
